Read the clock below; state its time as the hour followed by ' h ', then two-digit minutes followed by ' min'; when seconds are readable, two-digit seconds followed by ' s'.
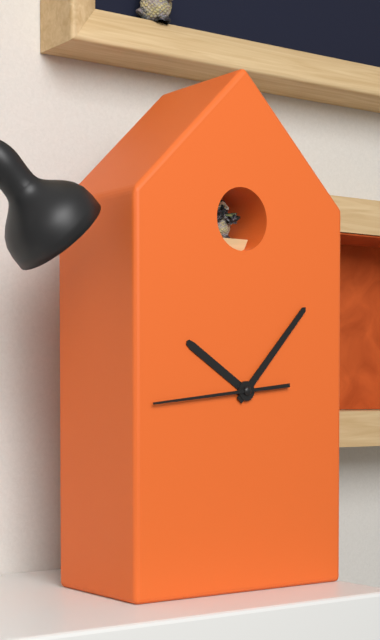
10 h 07 min 44 s
